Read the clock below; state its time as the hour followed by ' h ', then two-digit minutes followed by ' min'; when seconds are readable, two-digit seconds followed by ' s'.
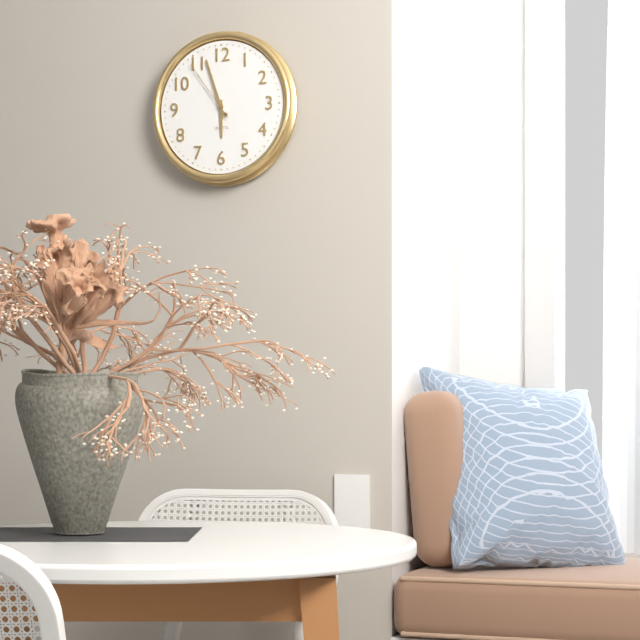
5 h 57 min 54 s
